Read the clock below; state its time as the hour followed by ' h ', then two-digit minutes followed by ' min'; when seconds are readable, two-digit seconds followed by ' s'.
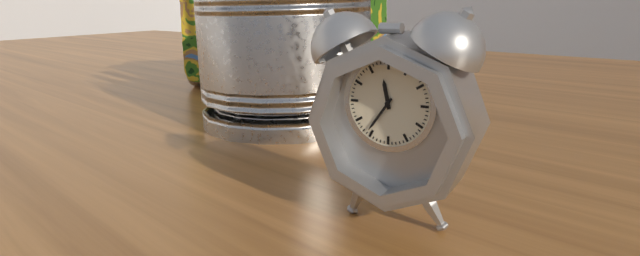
11 h 36 min
